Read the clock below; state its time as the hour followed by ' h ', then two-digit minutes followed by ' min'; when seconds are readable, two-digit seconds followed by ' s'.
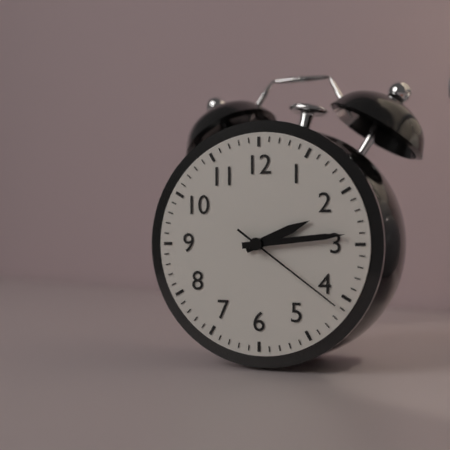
2 h 14 min 21 s
